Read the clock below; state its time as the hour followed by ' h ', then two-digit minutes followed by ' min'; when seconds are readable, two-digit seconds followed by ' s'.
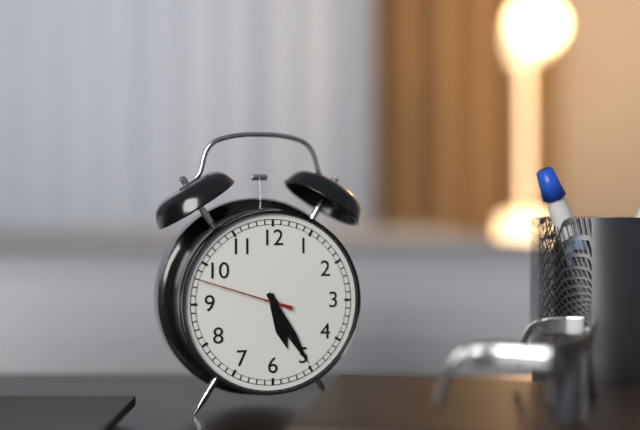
5 h 25 min 48 s
